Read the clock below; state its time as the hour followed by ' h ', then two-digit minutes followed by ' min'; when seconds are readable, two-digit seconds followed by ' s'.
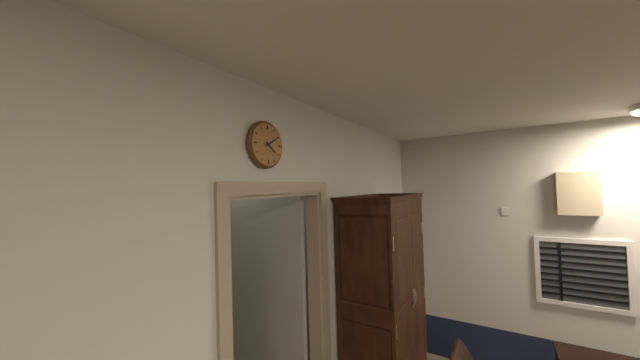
4 h 10 min
